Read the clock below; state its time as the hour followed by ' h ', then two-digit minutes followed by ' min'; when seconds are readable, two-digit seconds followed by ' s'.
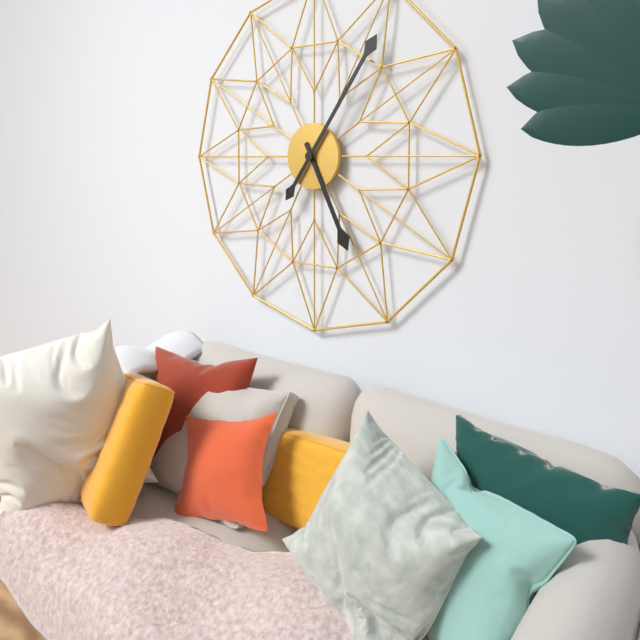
5 h 06 min
